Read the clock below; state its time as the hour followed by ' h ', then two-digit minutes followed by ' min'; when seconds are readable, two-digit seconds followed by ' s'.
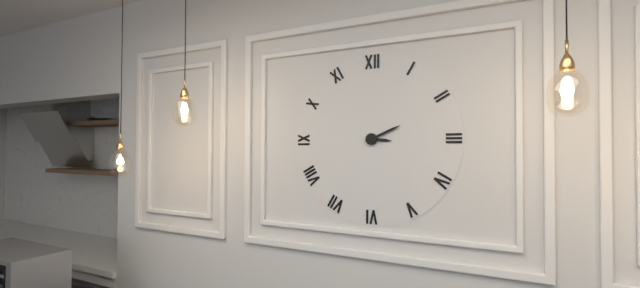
3 h 11 min
